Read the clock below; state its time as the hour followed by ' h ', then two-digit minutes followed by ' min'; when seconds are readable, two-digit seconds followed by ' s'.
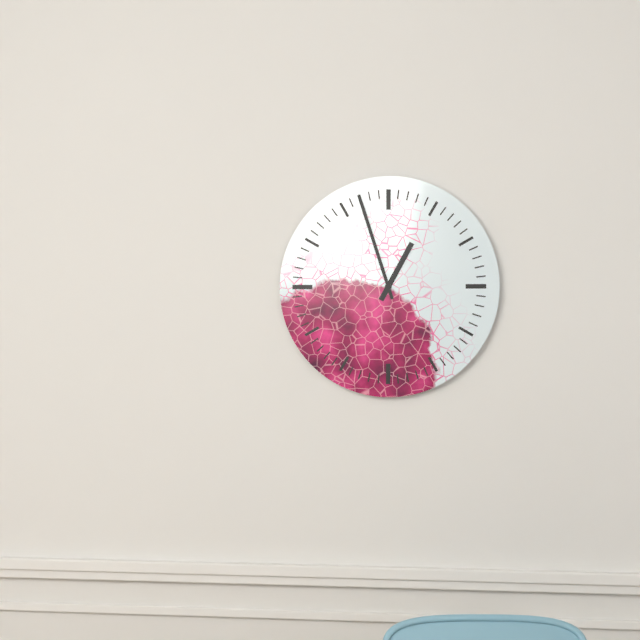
12 h 57 min
